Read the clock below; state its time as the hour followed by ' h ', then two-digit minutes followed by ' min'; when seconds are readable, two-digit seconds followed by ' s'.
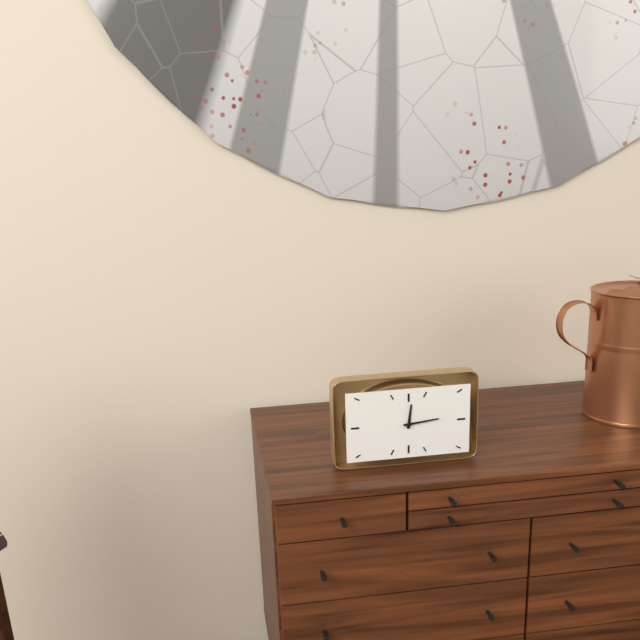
12 h 14 min
